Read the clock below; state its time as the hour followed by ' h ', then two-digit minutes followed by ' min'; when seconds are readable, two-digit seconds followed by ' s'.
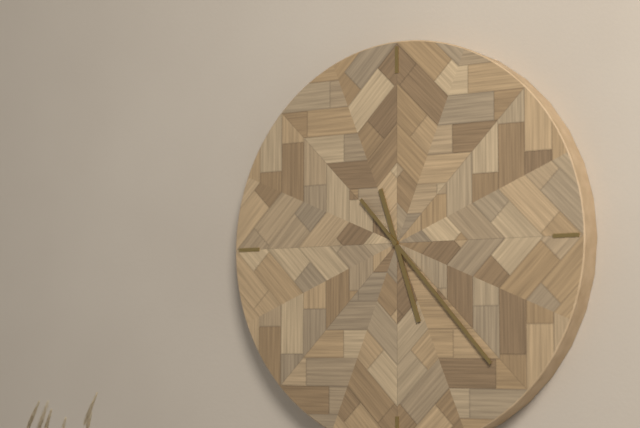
5 h 23 min
